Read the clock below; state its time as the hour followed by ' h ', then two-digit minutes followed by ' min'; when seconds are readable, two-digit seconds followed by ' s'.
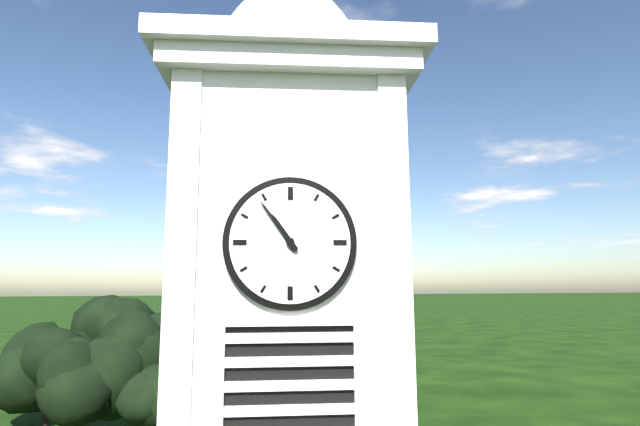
10 h 54 min
